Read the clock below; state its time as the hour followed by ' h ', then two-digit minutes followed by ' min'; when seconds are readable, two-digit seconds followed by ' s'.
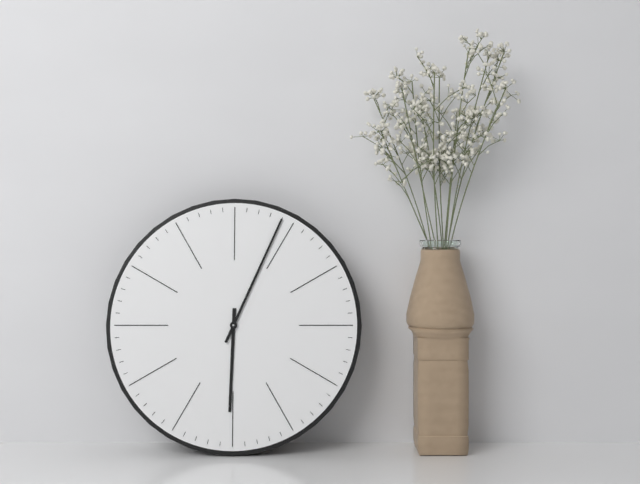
6 h 04 min
